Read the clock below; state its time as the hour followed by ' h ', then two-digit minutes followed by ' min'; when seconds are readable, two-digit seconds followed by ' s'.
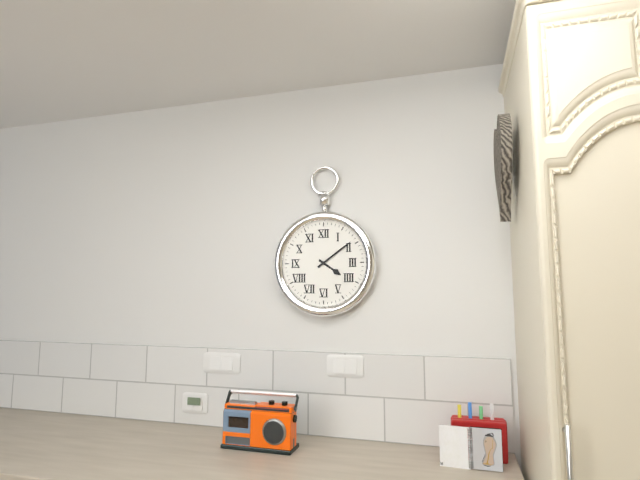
4 h 09 min
